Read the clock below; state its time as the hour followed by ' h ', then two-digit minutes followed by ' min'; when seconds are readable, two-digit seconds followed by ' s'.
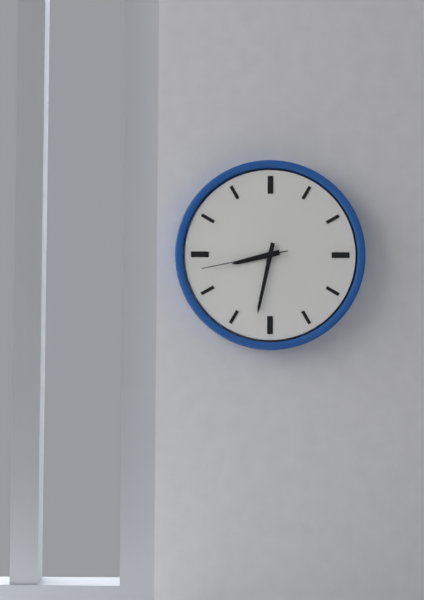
8 h 32 min 43 s
